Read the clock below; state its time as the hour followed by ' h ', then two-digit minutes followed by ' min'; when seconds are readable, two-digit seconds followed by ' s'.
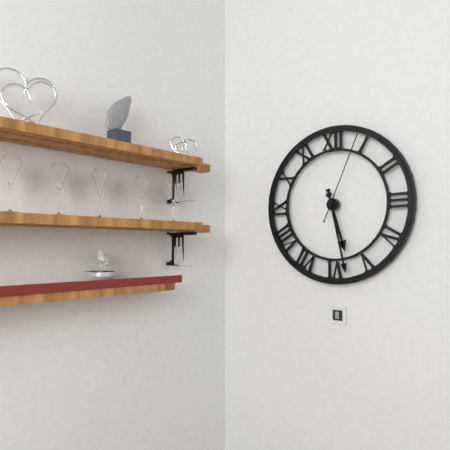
5 h 28 min 04 s
